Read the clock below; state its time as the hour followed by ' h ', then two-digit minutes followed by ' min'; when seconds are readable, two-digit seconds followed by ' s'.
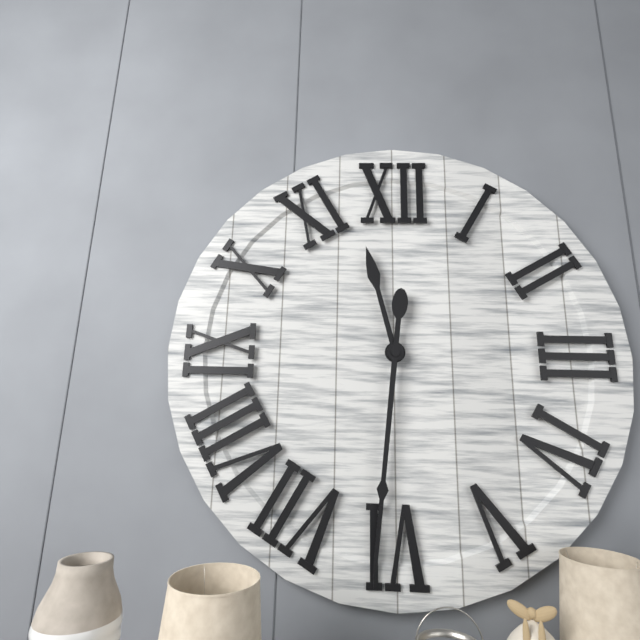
11 h 31 min
